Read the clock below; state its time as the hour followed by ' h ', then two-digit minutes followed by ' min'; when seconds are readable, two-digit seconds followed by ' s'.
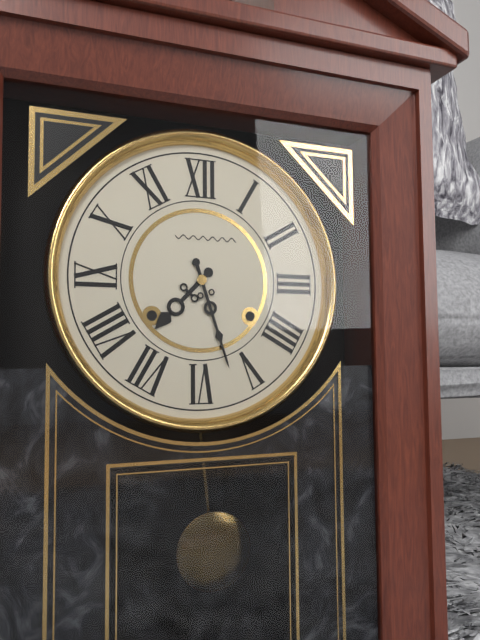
7 h 27 min
